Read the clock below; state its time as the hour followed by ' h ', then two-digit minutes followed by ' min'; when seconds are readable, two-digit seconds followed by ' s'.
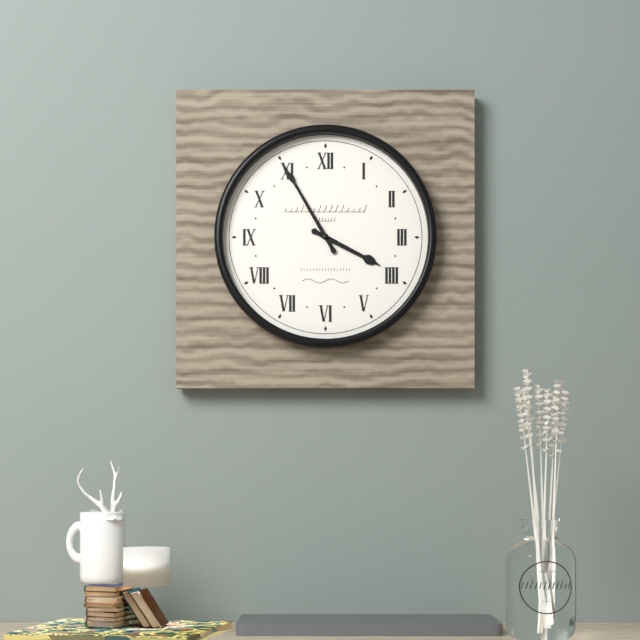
3 h 55 min
